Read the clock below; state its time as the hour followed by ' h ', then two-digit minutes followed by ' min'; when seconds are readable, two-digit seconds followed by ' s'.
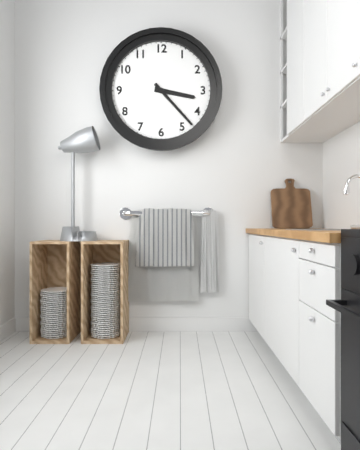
3 h 23 min
